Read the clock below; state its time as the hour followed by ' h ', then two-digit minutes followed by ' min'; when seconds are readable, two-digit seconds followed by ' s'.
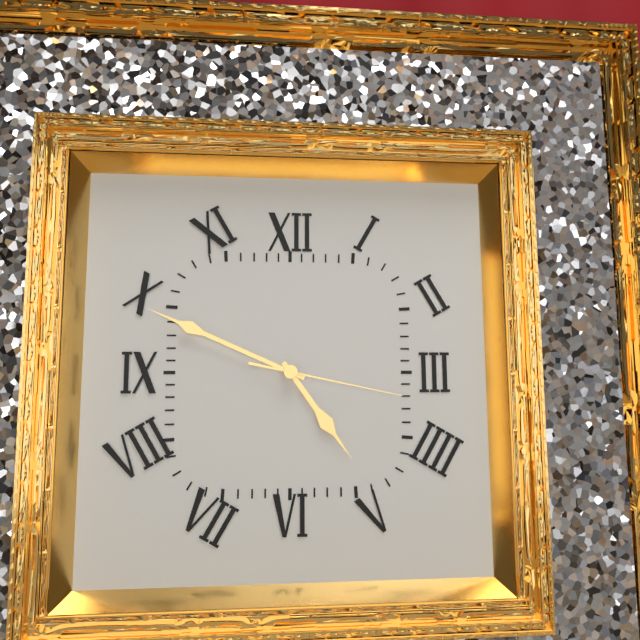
4 h 49 min 17 s
